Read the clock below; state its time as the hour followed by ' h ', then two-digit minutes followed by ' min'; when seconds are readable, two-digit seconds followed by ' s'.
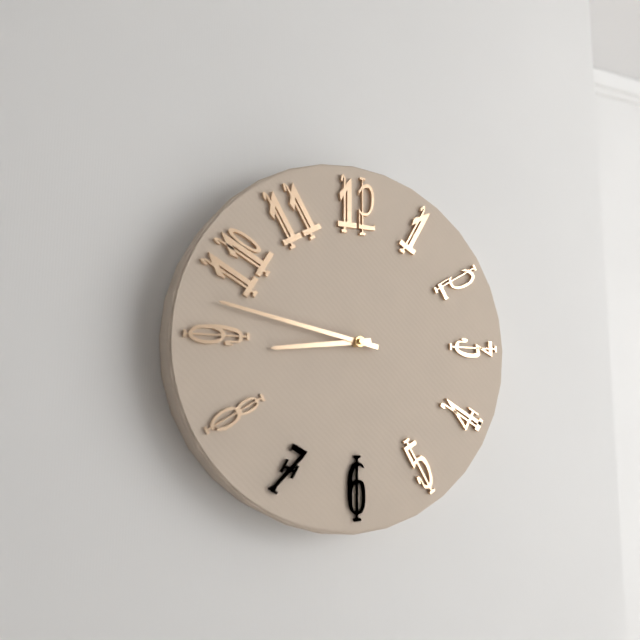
8 h 47 min
